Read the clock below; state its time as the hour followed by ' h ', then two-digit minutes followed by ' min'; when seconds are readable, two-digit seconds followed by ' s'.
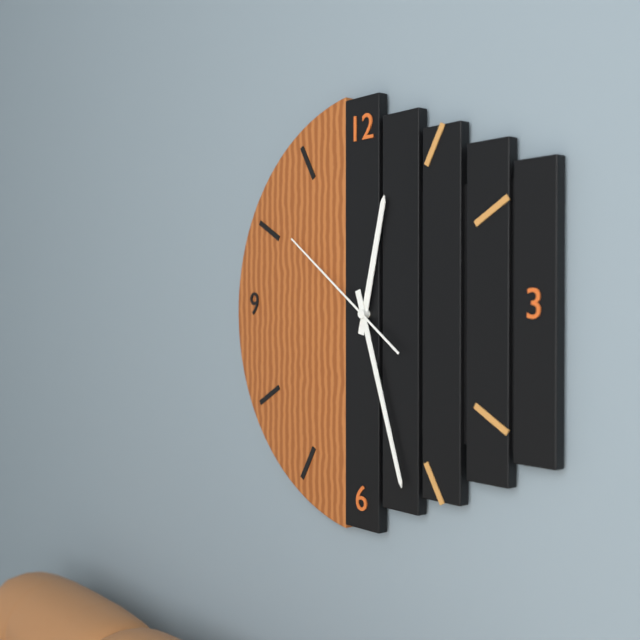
12 h 27 min 51 s
